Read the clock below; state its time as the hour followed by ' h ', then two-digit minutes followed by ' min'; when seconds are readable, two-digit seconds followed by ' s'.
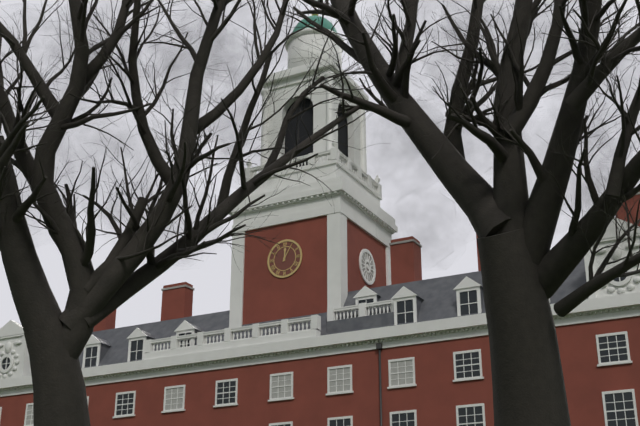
12 h 05 min
